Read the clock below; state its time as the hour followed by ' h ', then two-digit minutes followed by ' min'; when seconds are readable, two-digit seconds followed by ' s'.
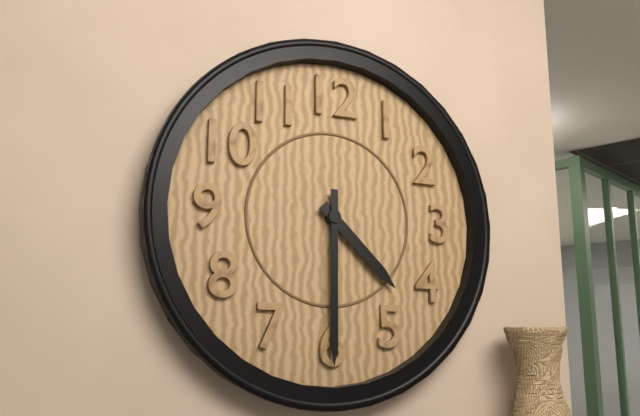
4 h 30 min
